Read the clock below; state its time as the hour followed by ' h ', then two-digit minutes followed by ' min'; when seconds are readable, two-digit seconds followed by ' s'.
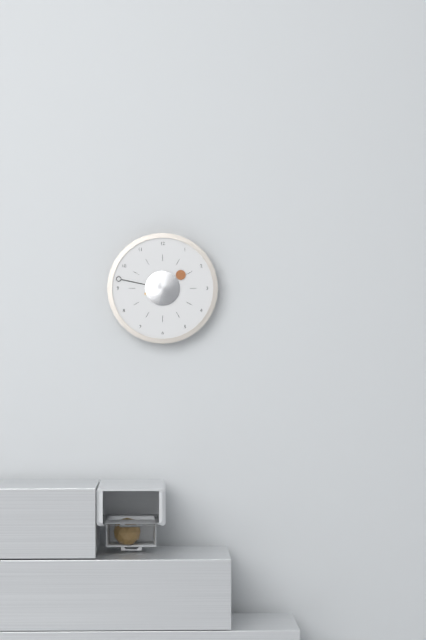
1 h 47 min
